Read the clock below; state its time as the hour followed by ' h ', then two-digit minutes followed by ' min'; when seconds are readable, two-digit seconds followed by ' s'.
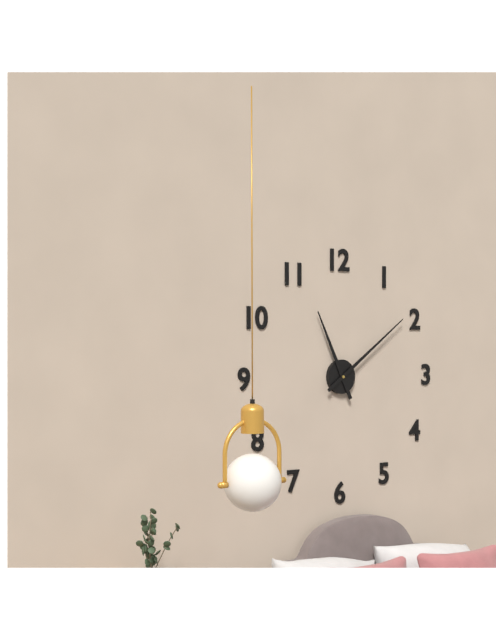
11 h 09 min
